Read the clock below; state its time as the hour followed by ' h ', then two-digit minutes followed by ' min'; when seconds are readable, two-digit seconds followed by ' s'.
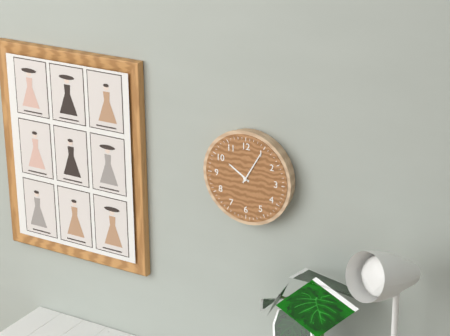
10 h 05 min
